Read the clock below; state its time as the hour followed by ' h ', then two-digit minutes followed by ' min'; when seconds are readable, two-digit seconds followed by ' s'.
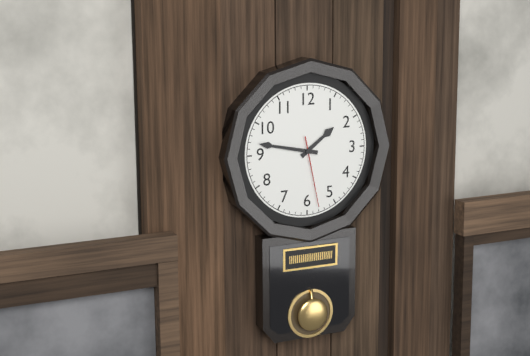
1 h 47 min 28 s
